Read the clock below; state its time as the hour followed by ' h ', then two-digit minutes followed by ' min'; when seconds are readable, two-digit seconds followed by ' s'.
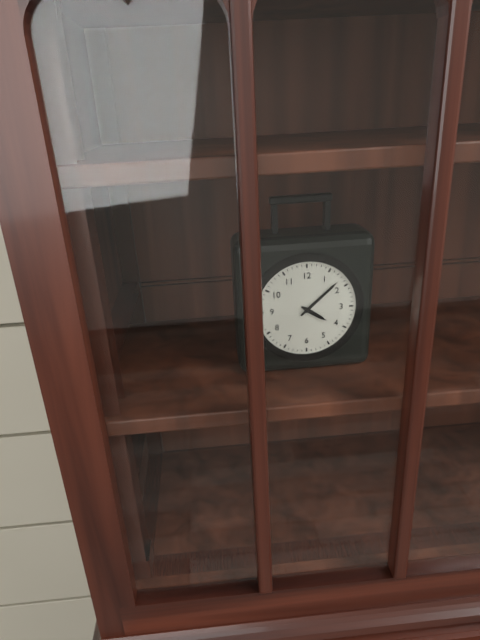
4 h 08 min
